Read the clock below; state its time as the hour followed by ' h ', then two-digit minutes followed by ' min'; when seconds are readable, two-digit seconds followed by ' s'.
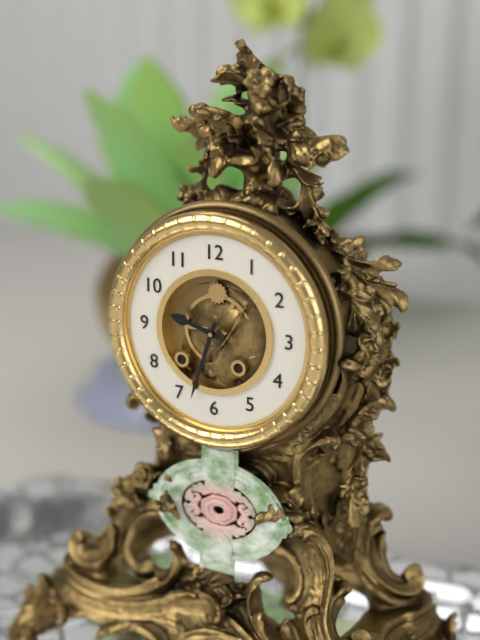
9 h 33 min
